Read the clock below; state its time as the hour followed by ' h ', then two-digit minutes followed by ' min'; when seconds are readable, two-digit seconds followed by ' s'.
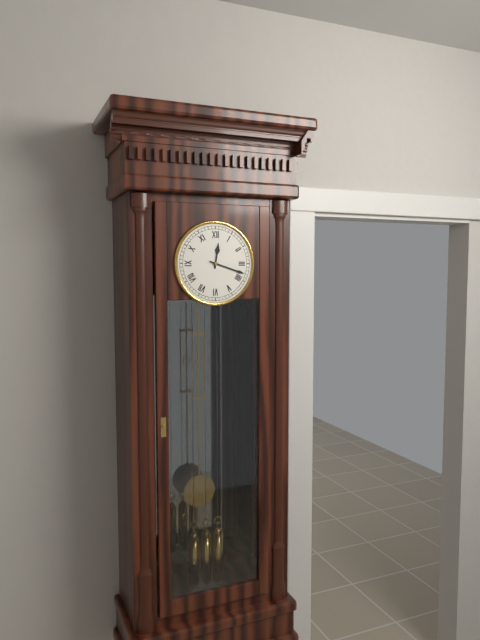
12 h 18 min
